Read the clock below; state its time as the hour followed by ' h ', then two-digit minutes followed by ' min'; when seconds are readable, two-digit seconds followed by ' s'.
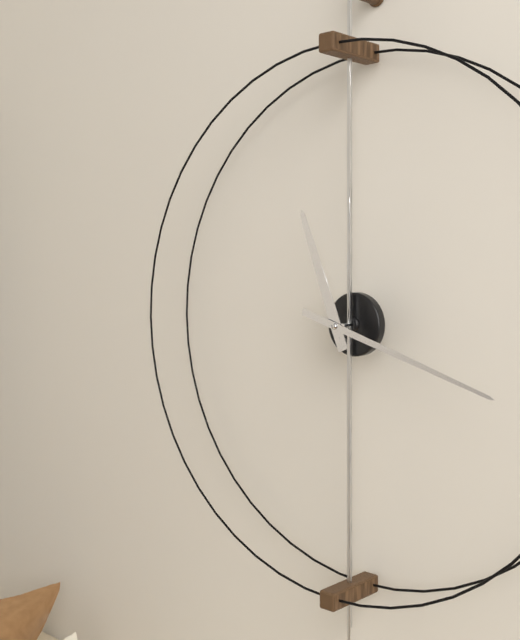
11 h 18 min
